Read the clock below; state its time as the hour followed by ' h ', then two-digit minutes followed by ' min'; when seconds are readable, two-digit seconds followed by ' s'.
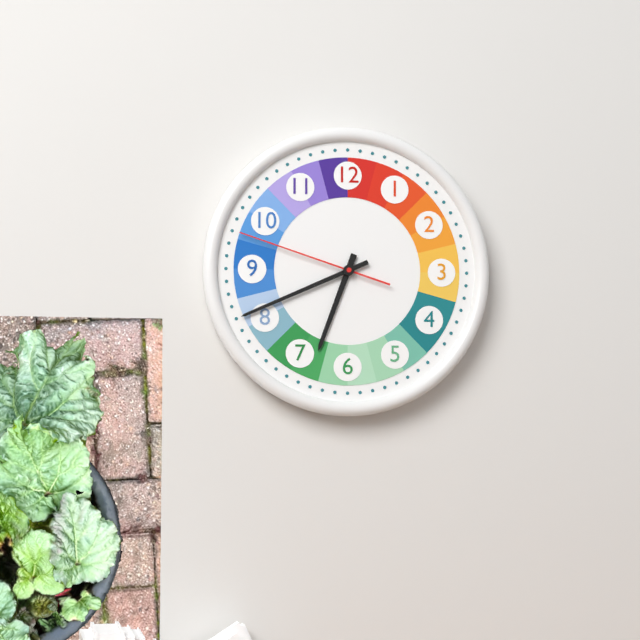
6 h 41 min 48 s
